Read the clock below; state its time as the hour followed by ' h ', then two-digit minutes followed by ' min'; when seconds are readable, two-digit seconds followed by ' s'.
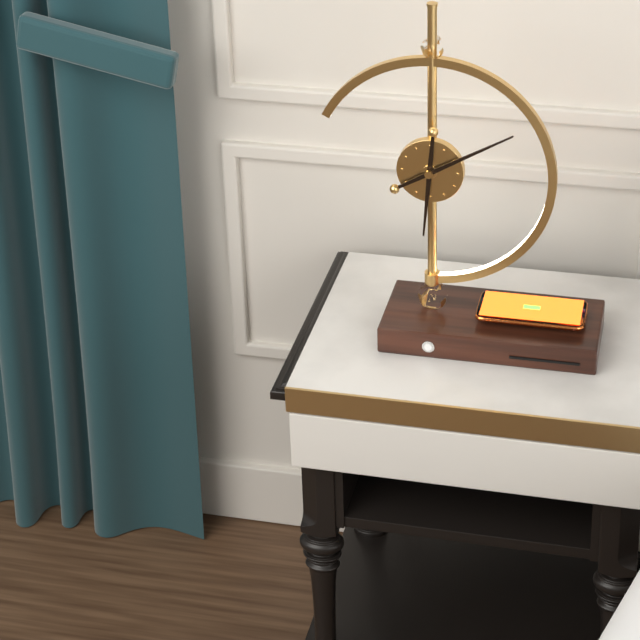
6 h 10 min
